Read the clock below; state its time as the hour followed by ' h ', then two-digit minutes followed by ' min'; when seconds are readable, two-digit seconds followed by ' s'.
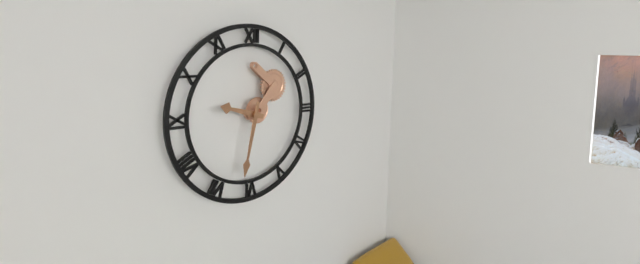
9 h 32 min
